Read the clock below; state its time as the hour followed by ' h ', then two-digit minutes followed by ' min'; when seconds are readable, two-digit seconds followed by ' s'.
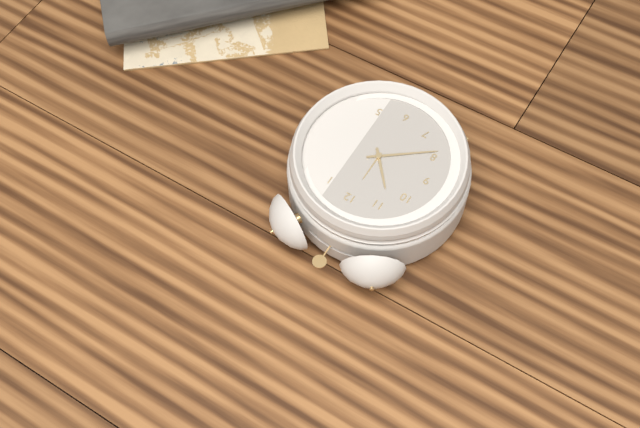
10 h 39 min
